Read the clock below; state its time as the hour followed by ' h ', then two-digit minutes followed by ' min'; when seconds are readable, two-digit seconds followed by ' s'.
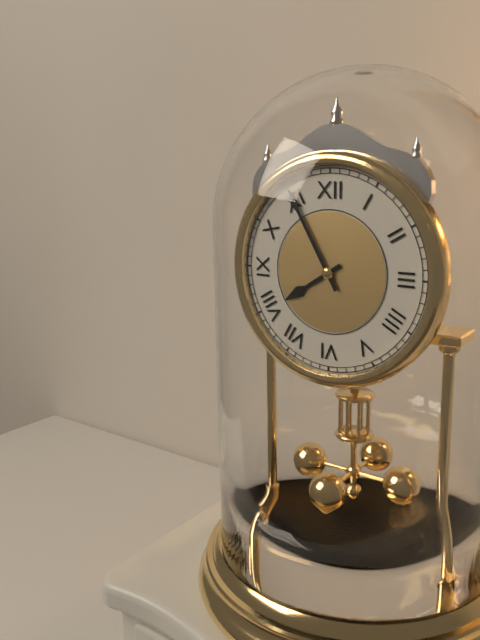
7 h 55 min
